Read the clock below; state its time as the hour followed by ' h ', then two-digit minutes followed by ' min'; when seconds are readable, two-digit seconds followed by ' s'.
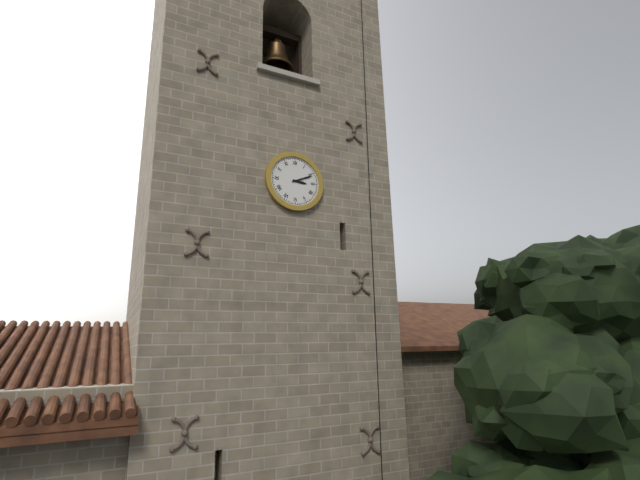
3 h 11 min
